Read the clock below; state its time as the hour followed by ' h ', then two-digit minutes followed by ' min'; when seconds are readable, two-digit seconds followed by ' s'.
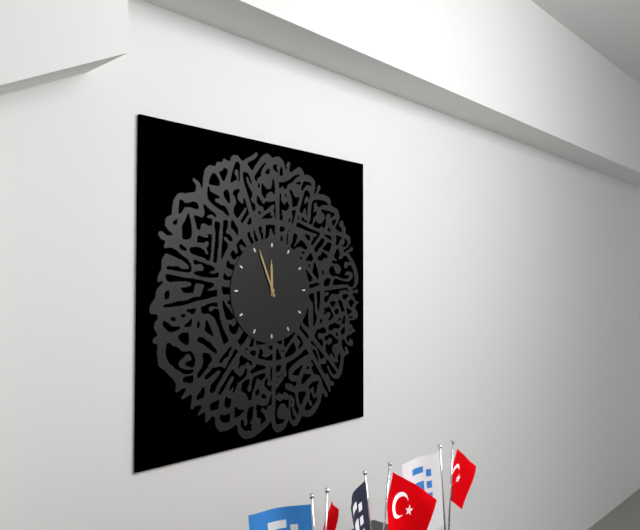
11 h 56 min
